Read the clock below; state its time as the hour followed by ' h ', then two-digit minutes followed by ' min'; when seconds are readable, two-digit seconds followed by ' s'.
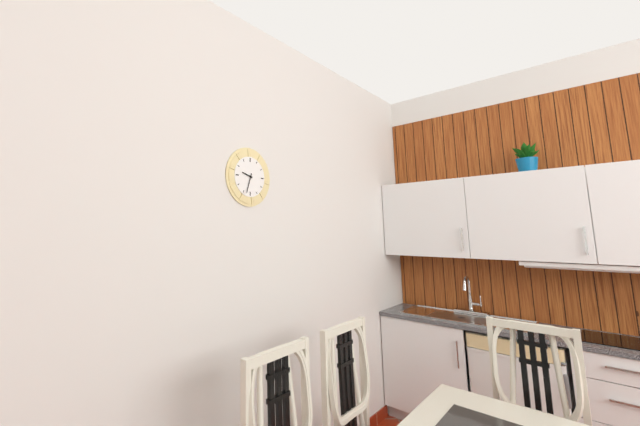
9 h 33 min
